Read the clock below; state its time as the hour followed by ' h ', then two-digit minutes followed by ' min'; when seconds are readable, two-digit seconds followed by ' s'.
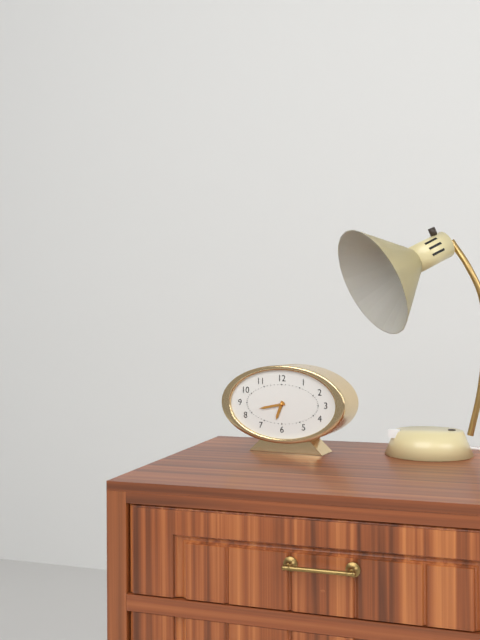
6 h 43 min
